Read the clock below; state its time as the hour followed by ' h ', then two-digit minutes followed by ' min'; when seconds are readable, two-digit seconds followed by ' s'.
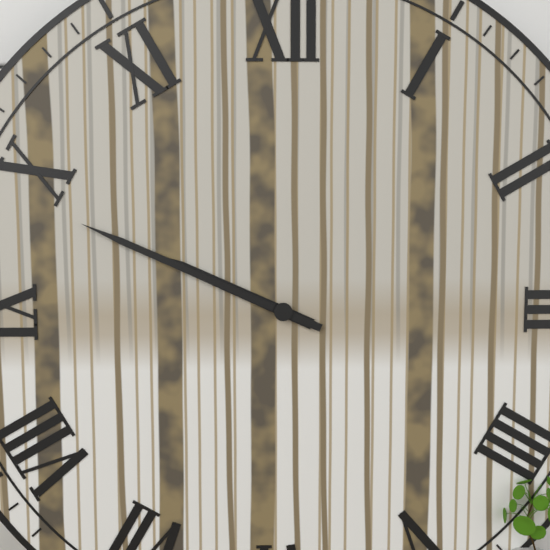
9 h 49 min
